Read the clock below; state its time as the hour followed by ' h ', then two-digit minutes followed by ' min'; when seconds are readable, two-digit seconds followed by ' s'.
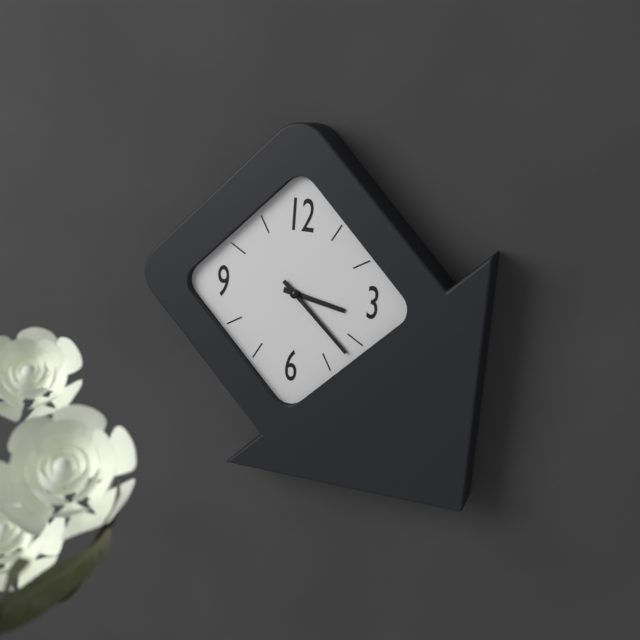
3 h 22 min
